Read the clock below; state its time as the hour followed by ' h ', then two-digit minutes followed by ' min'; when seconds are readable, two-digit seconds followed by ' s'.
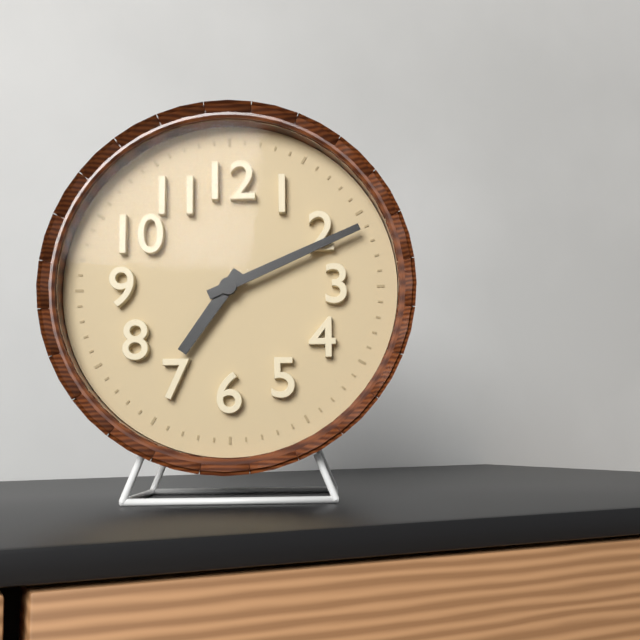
7 h 11 min
